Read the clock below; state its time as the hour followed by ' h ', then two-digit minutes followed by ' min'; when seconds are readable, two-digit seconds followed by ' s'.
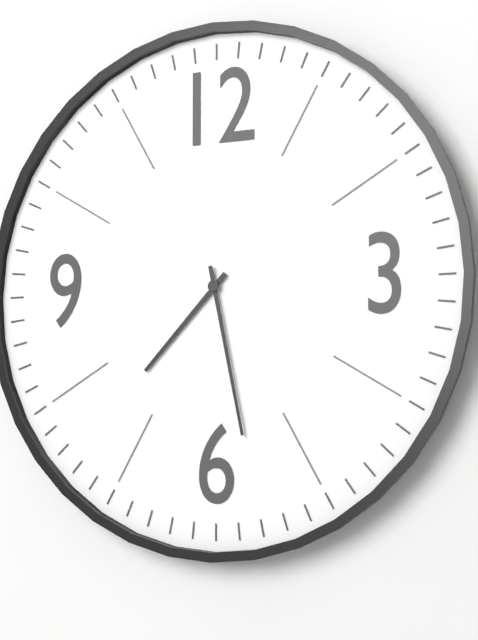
7 h 28 min
